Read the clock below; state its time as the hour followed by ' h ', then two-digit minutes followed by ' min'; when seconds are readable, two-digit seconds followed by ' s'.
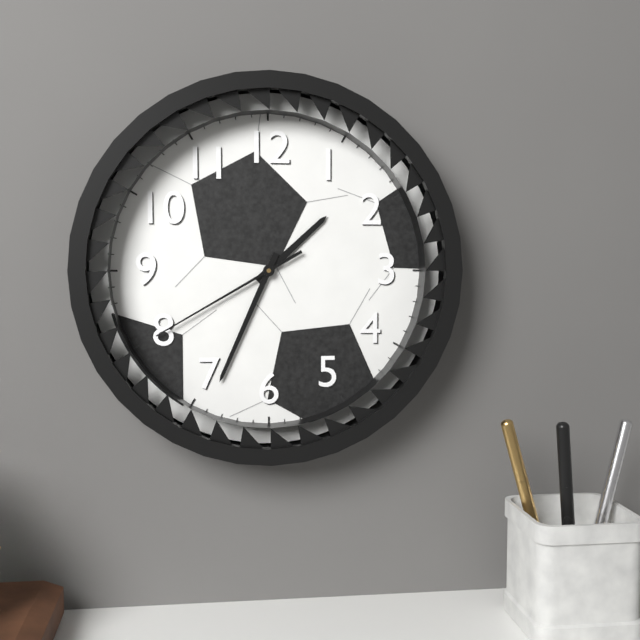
1 h 34 min 40 s
